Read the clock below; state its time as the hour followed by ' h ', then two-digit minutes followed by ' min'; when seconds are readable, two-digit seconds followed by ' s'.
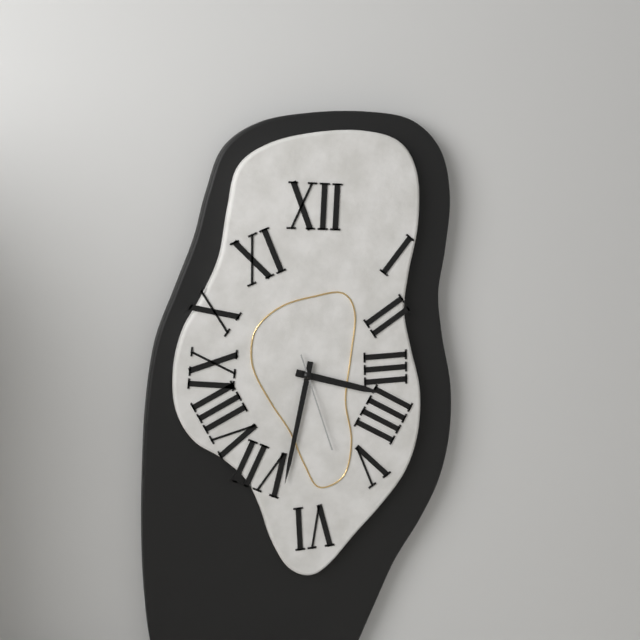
3 h 32 min 27 s
